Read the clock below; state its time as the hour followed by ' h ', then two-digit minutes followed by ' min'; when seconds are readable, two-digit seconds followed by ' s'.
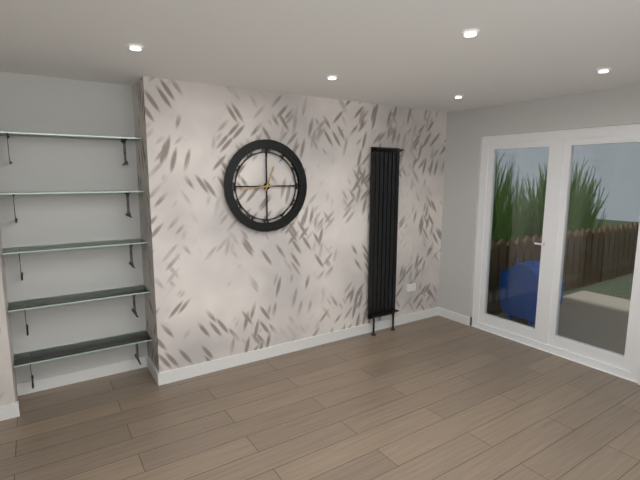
12 h 44 min
